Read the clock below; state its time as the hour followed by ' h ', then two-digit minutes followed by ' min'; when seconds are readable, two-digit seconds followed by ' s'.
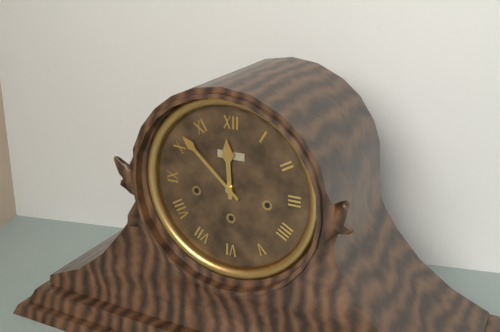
11 h 52 min
